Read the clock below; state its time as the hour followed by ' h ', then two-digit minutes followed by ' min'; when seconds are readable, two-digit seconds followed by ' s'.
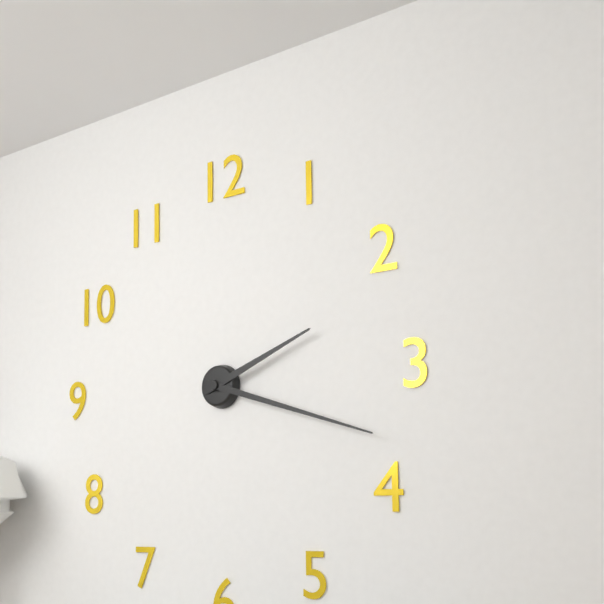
2 h 18 min
